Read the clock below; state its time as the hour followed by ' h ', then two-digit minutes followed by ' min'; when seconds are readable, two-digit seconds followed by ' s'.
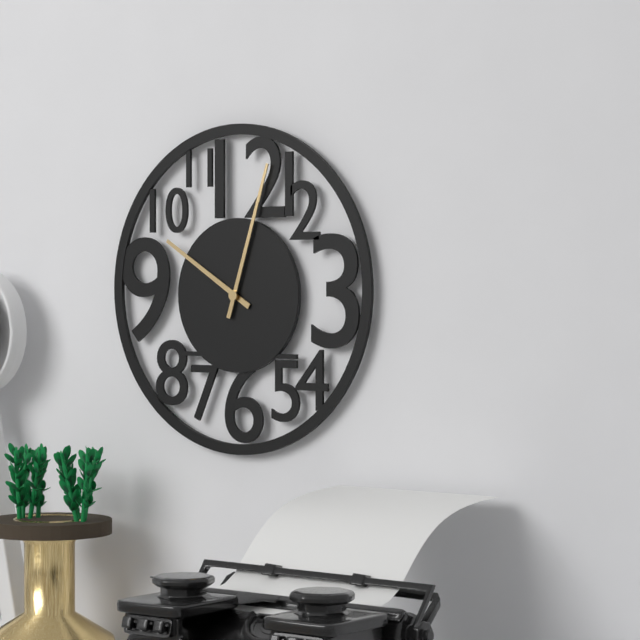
10 h 03 min
